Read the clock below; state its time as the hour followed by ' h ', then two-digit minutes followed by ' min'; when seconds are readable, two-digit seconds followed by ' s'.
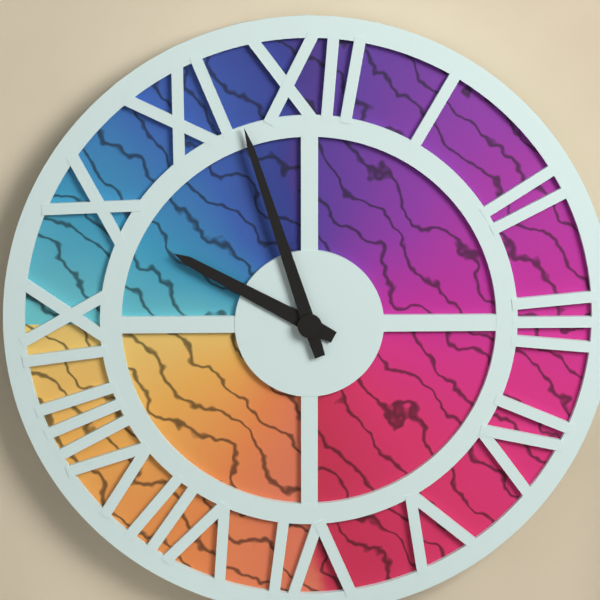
9 h 57 min
